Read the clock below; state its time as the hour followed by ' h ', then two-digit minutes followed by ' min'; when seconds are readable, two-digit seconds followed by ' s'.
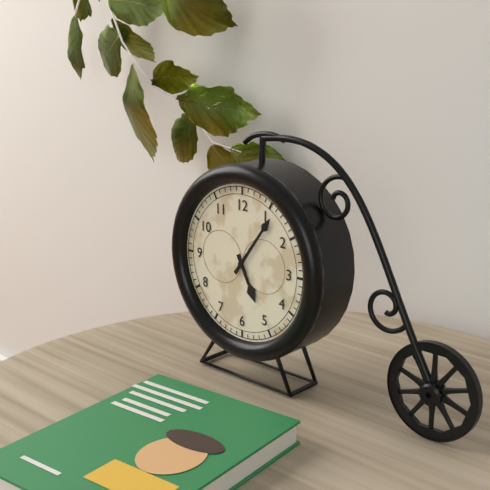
5 h 06 min
